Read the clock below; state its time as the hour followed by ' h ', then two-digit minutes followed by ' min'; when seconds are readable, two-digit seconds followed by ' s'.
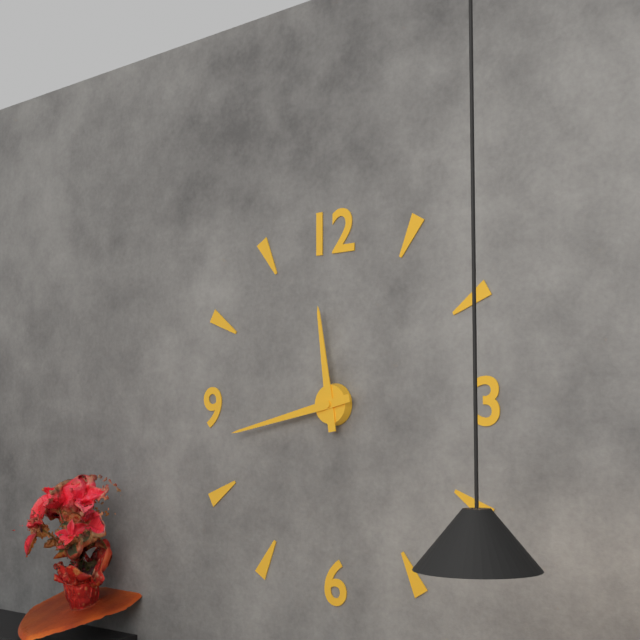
11 h 43 min
